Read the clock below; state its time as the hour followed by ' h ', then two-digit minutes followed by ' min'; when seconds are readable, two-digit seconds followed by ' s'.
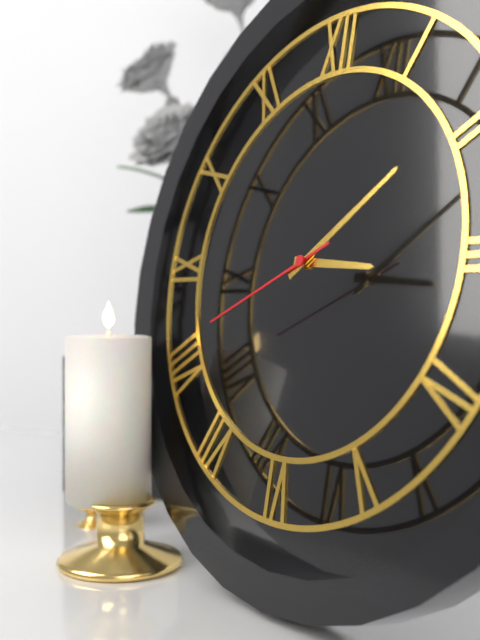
3 h 09 min 41 s
